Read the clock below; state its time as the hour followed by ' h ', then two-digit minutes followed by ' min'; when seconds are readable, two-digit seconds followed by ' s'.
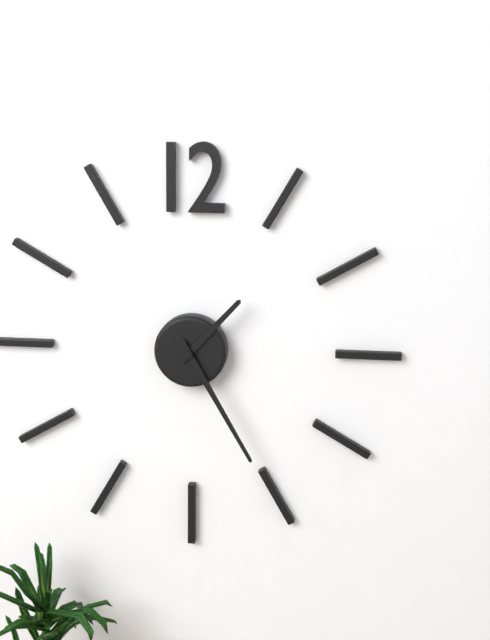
1 h 25 min
